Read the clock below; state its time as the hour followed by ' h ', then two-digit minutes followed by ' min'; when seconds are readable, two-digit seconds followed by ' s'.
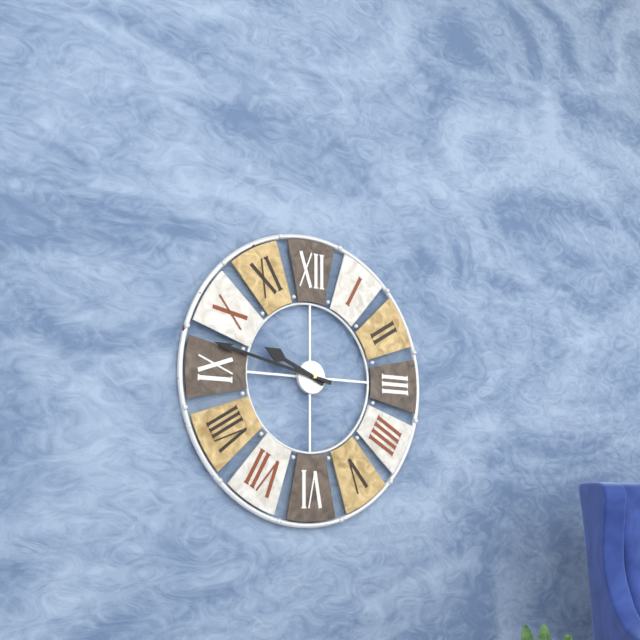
9 h 47 min
